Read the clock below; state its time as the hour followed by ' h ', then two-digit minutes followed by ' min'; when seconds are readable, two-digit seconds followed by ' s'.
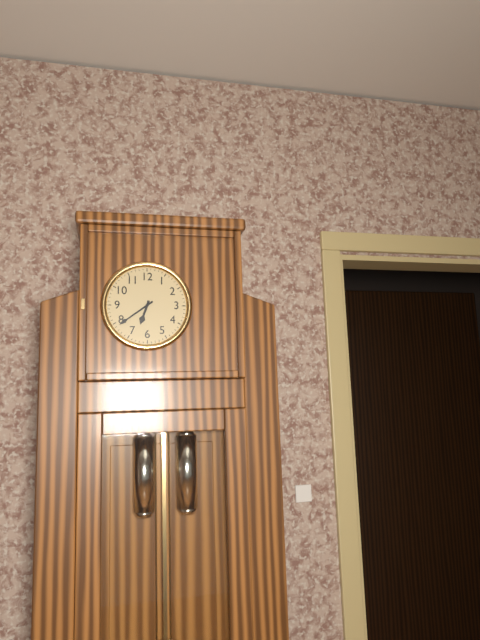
6 h 39 min
